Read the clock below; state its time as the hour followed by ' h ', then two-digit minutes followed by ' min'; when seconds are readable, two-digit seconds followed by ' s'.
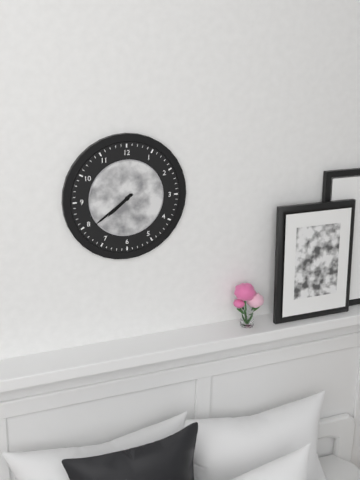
7 h 39 min
